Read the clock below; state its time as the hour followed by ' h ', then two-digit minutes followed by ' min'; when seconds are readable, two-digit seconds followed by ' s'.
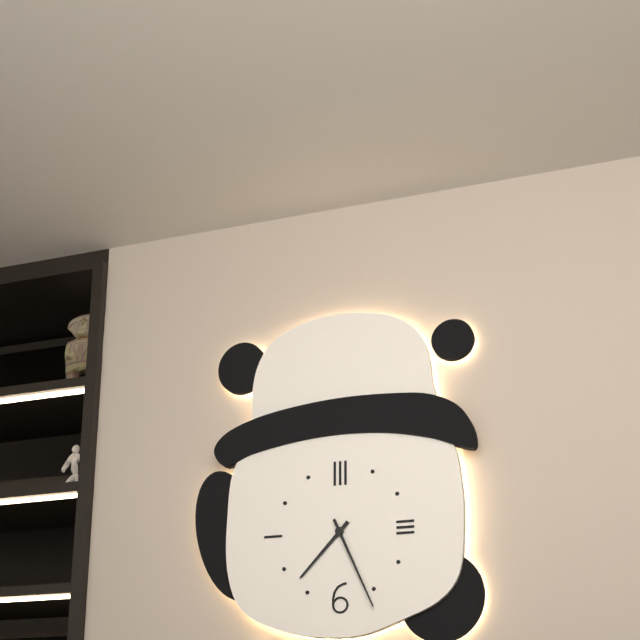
7 h 26 min
